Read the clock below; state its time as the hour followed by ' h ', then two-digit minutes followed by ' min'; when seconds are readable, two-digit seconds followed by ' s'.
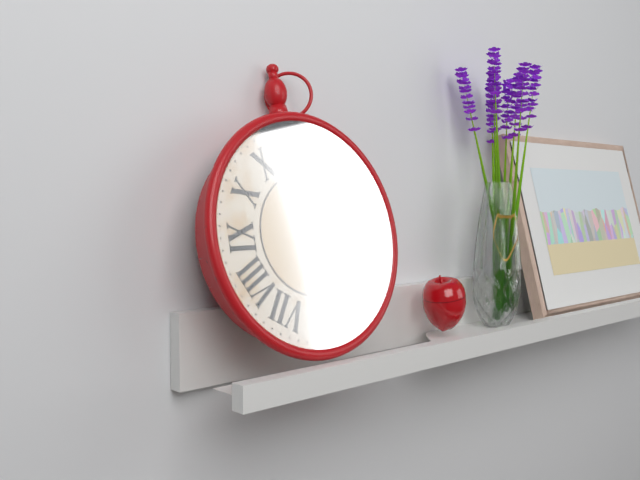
12 h 29 min
